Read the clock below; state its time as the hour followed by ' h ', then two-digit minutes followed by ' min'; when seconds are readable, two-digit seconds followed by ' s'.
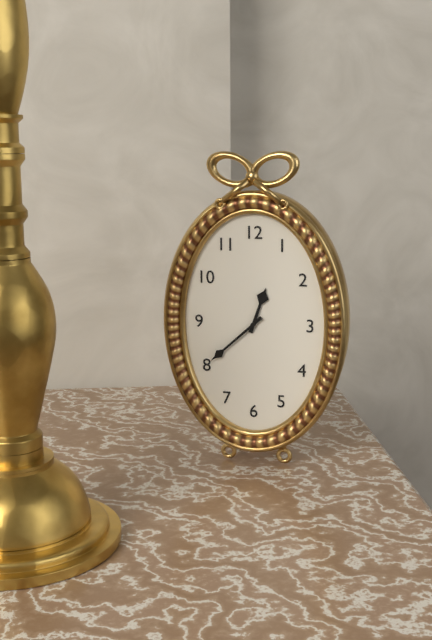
12 h 38 min
